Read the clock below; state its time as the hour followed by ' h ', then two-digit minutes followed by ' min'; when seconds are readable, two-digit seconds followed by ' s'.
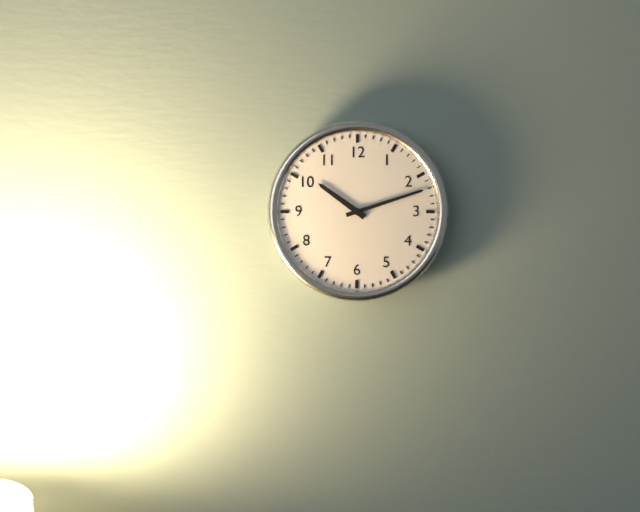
10 h 12 min
